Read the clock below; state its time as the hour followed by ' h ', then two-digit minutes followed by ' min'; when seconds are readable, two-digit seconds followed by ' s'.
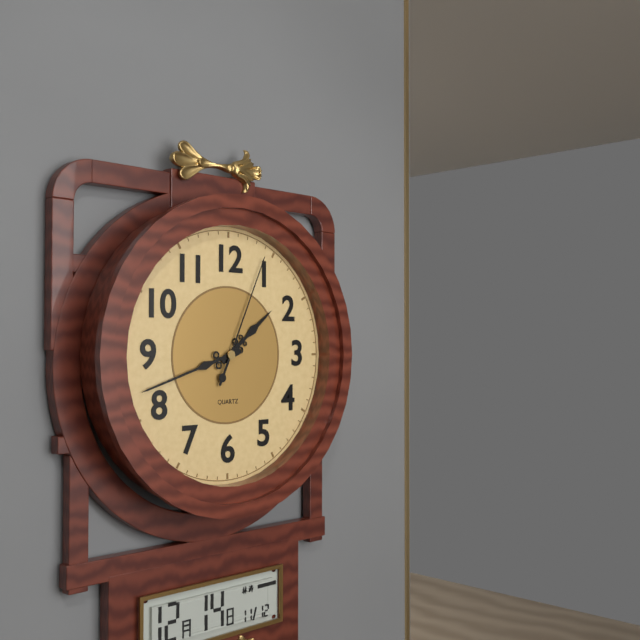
1 h 42 min 04 s
